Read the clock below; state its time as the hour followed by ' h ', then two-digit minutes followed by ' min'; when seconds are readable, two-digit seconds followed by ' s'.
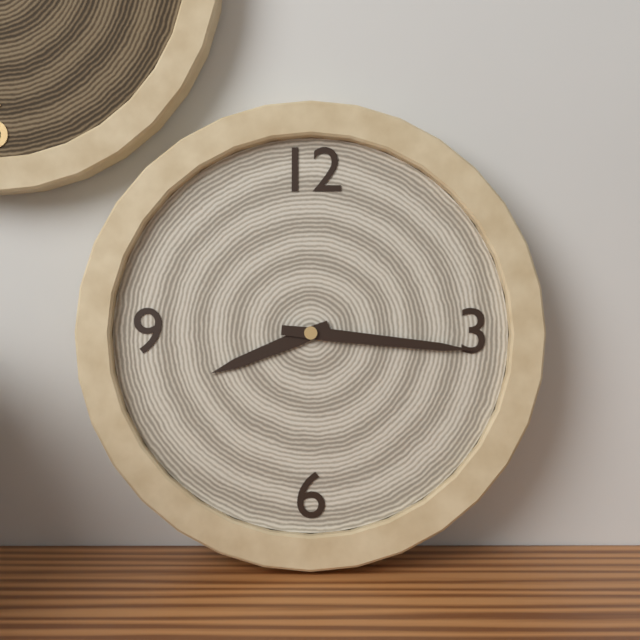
8 h 16 min
